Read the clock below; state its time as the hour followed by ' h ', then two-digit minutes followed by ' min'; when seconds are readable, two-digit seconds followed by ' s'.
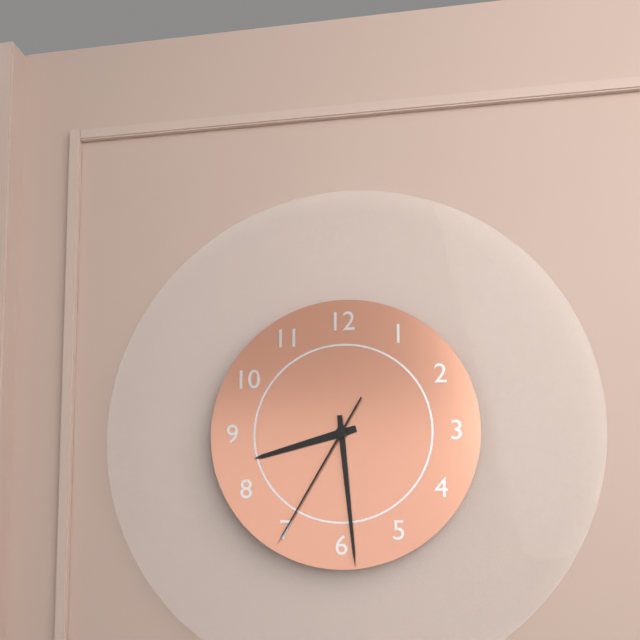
8 h 29 min 35 s
